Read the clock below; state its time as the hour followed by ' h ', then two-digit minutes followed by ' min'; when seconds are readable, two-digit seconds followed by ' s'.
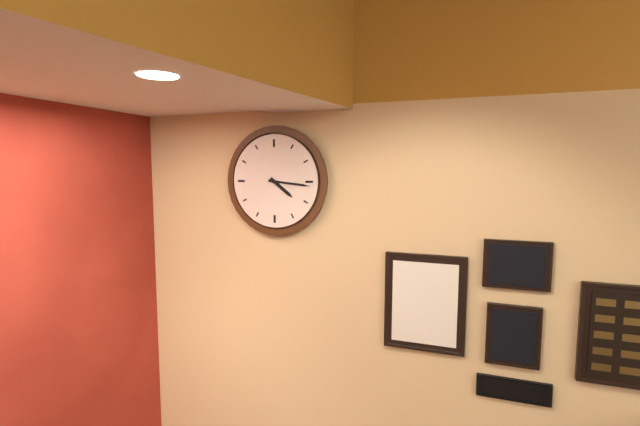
4 h 16 min
